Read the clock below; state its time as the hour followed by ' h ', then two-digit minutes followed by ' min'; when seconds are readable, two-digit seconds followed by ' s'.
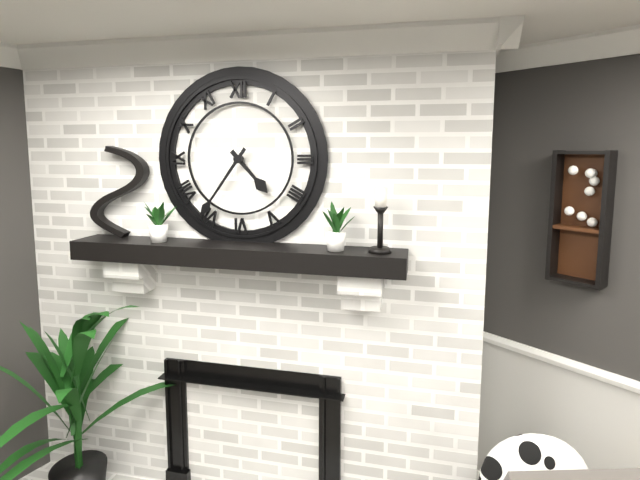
4 h 36 min
